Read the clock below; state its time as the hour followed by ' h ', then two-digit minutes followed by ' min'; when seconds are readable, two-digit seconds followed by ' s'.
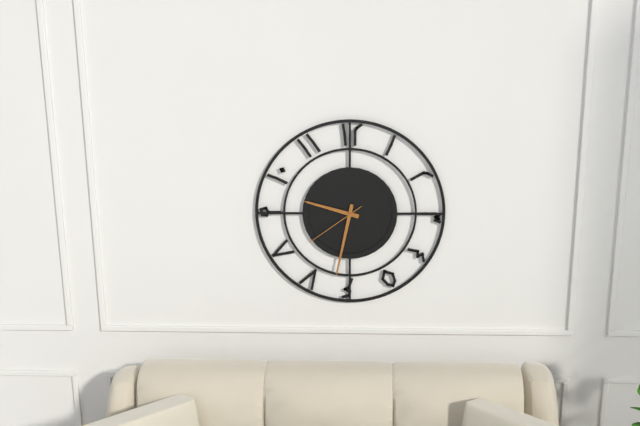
9 h 32 min 39 s
